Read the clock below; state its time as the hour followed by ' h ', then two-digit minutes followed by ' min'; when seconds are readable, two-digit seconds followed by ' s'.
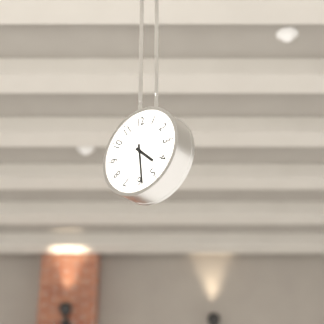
4 h 29 min
